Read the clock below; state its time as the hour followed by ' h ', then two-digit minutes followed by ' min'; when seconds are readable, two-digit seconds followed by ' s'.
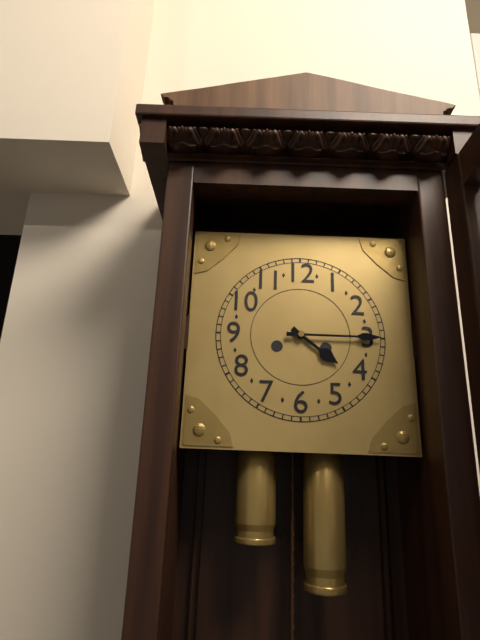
4 h 15 min
